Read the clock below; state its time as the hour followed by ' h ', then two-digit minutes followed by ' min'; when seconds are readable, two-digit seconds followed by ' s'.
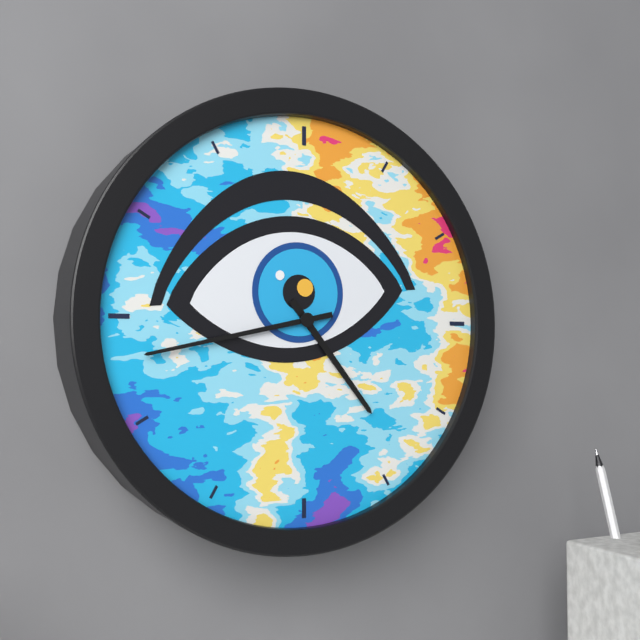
4 h 43 min
